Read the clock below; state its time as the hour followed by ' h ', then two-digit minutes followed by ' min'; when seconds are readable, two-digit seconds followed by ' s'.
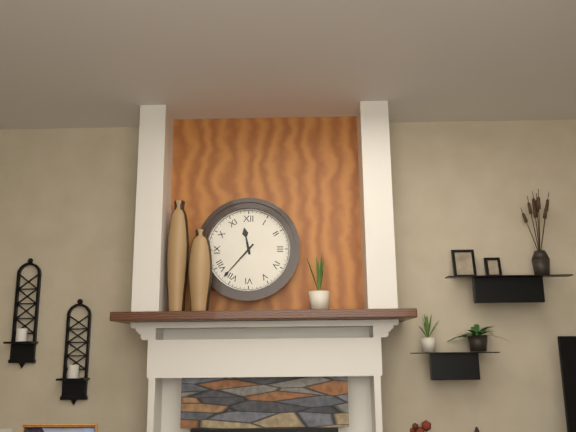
11 h 37 min
